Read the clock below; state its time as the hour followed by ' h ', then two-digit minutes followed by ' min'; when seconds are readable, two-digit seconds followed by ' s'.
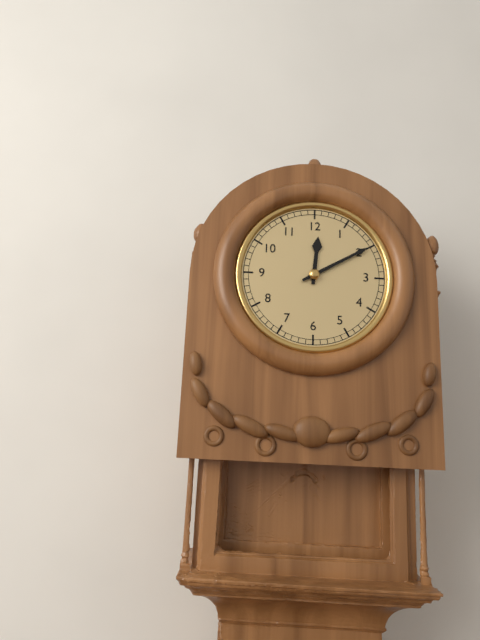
12 h 10 min
